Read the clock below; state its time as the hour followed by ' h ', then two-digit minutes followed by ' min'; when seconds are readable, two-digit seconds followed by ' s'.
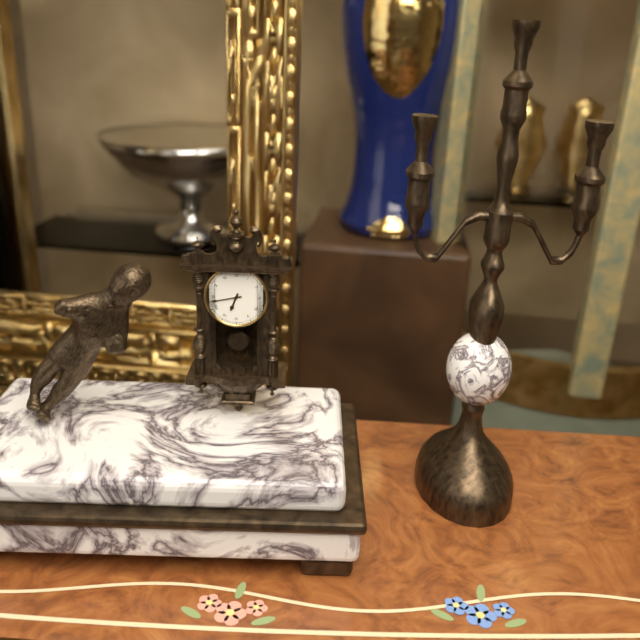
6 h 43 min
